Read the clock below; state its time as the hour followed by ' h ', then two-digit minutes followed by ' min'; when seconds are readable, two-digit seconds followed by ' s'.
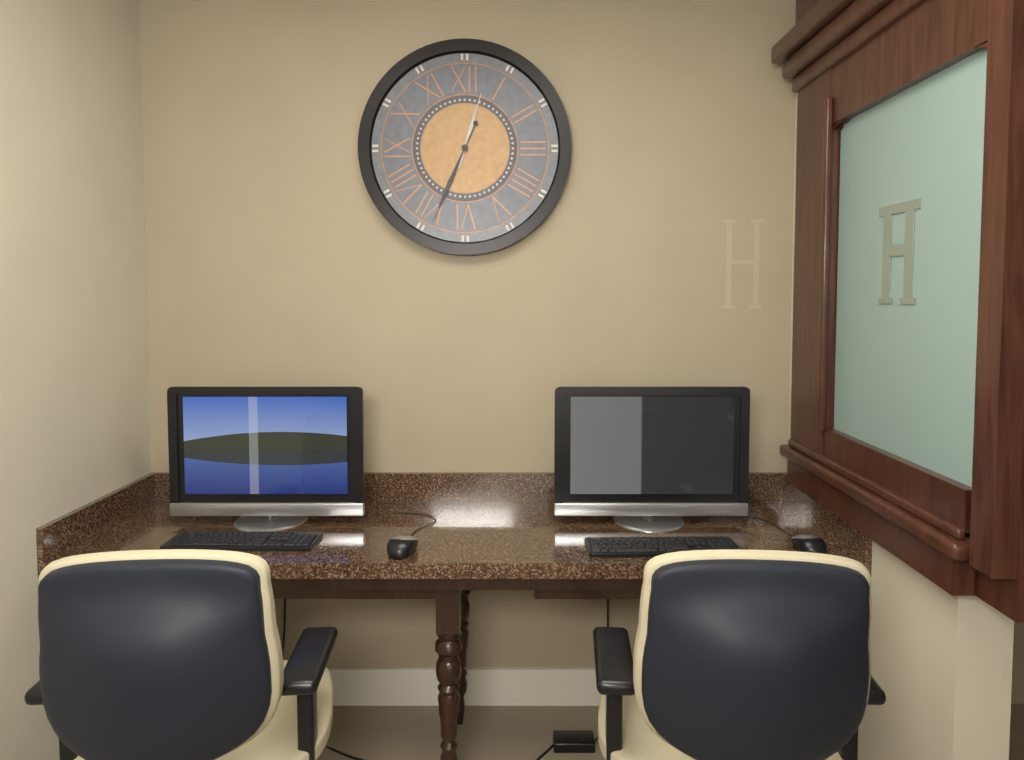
12 h 34 min
